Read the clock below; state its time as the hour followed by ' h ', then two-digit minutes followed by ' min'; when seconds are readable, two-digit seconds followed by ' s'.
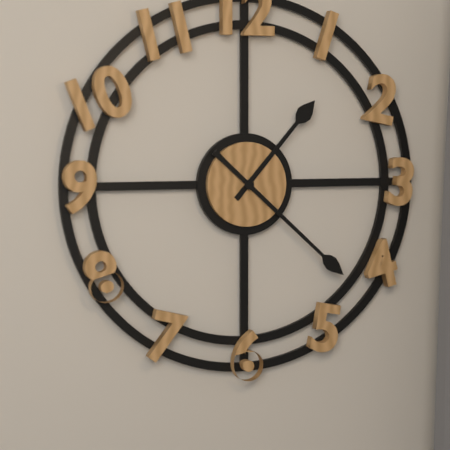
1 h 22 min
